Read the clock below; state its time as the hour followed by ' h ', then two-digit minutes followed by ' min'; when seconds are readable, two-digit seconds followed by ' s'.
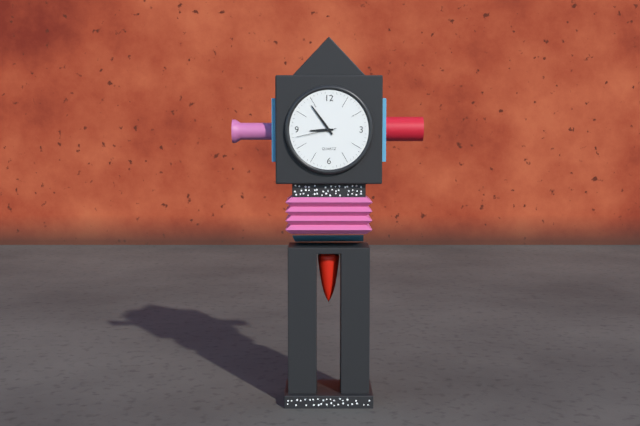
8 h 54 min
